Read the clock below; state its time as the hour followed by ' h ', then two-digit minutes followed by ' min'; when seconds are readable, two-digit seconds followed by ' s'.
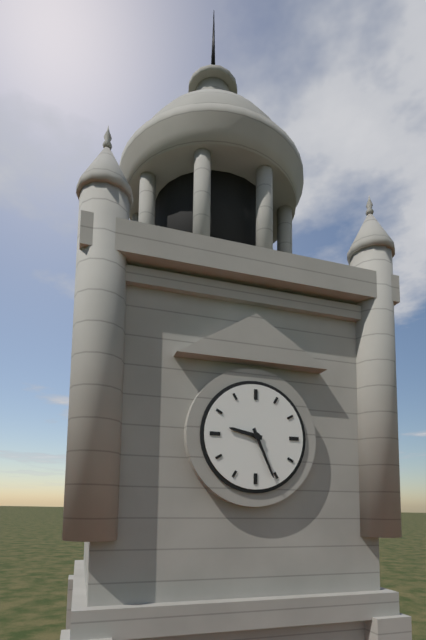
9 h 26 min
